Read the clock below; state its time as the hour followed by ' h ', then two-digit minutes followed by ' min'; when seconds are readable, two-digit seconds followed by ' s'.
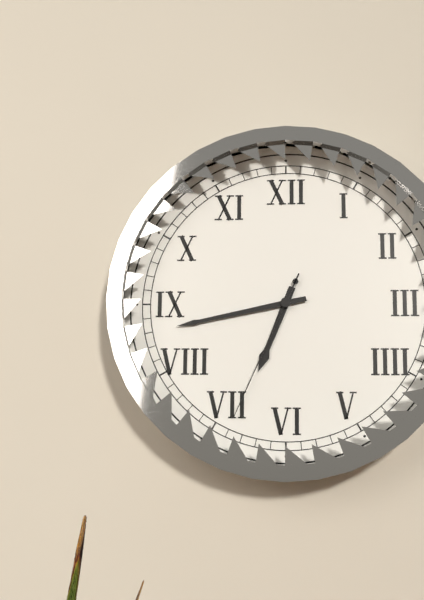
6 h 43 min 34 s
